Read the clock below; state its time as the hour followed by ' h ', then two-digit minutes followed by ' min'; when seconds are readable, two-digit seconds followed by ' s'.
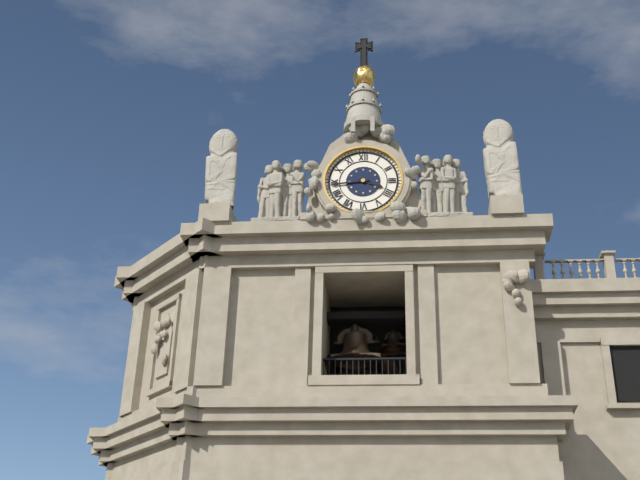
3 h 44 min
